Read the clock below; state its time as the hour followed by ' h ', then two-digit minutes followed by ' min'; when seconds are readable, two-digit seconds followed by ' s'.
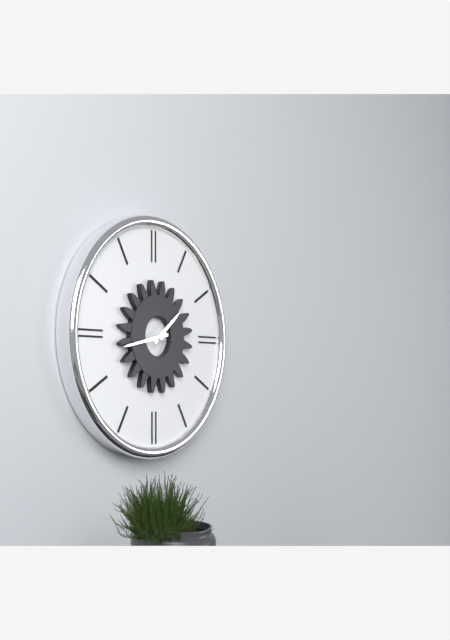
1 h 43 min
